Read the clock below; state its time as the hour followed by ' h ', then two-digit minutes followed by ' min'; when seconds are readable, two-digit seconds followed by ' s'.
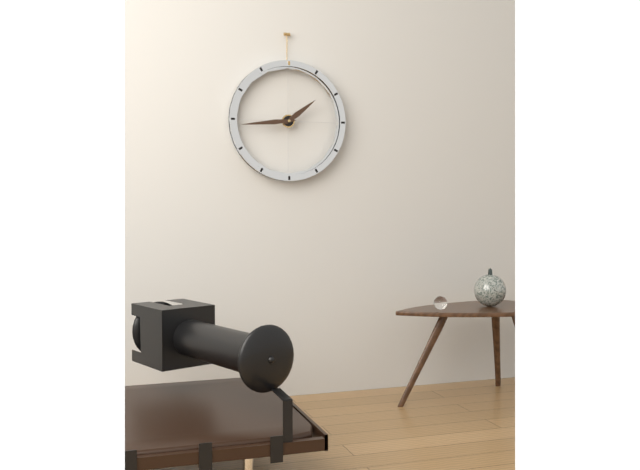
1 h 44 min
